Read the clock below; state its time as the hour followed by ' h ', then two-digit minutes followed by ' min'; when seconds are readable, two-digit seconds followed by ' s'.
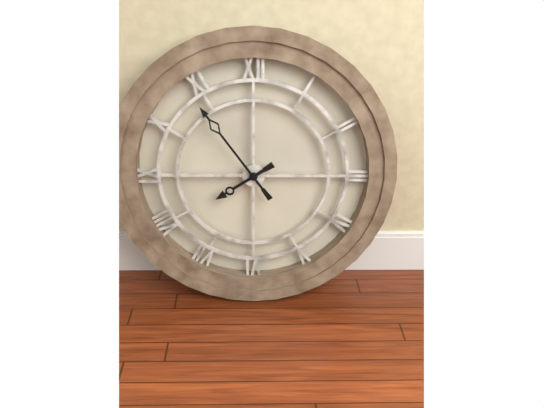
7 h 54 min
